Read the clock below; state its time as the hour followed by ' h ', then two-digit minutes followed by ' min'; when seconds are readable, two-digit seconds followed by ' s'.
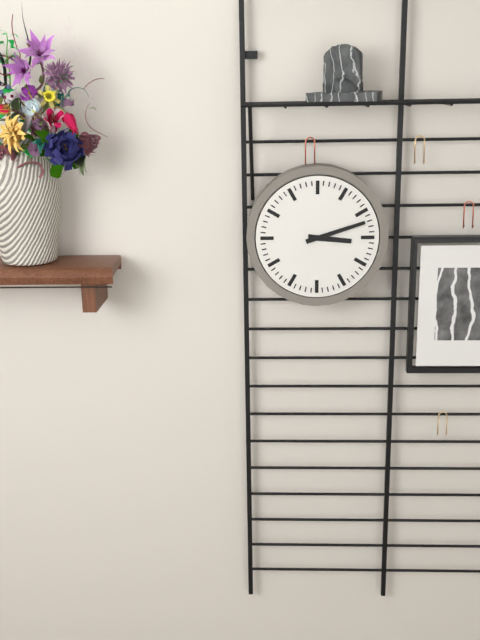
3 h 12 min
